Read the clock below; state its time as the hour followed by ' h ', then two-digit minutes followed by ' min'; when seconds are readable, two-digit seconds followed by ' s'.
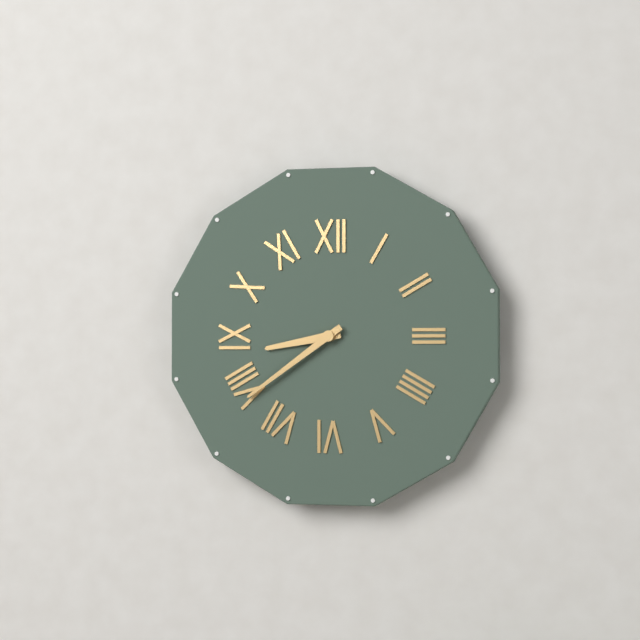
8 h 39 min
